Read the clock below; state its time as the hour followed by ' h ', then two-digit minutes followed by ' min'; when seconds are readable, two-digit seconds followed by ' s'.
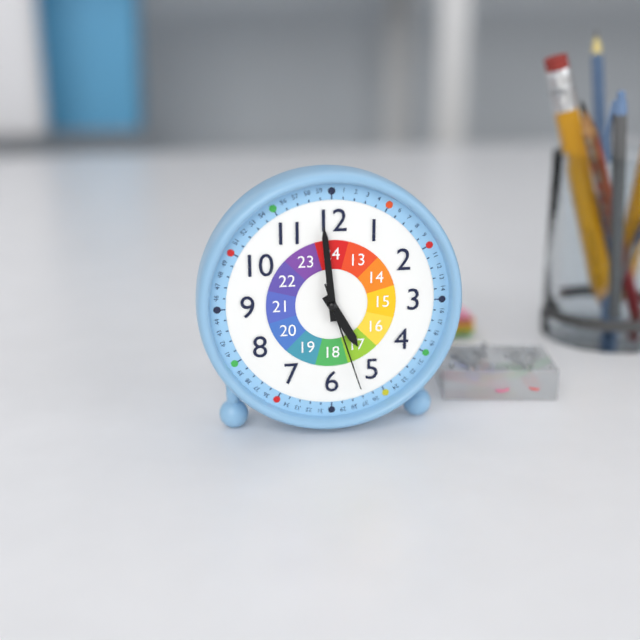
4 h 59 min 27 s
